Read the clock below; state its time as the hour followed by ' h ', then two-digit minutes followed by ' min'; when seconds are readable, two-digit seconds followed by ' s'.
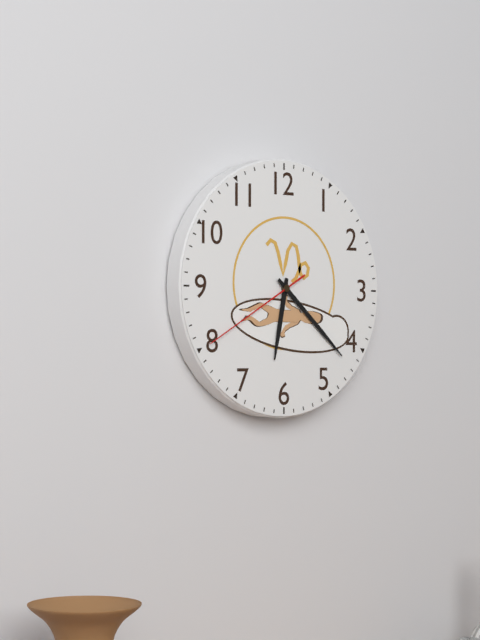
6 h 22 min 40 s
